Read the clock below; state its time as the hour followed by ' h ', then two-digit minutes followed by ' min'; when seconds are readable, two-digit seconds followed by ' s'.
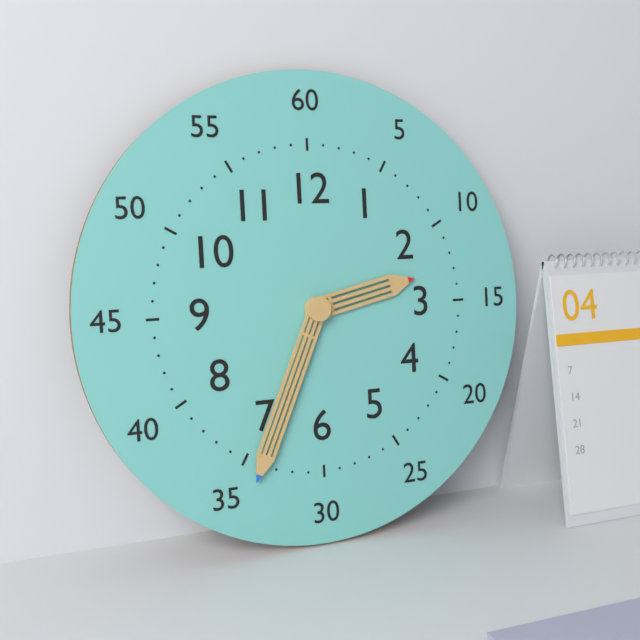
2 h 34 min
